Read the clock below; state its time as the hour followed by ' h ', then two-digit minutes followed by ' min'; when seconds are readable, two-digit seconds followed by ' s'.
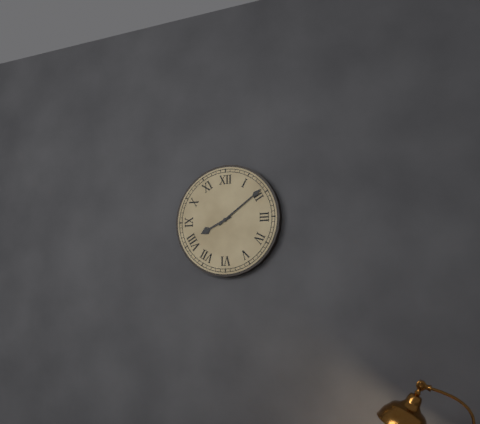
8 h 09 min
